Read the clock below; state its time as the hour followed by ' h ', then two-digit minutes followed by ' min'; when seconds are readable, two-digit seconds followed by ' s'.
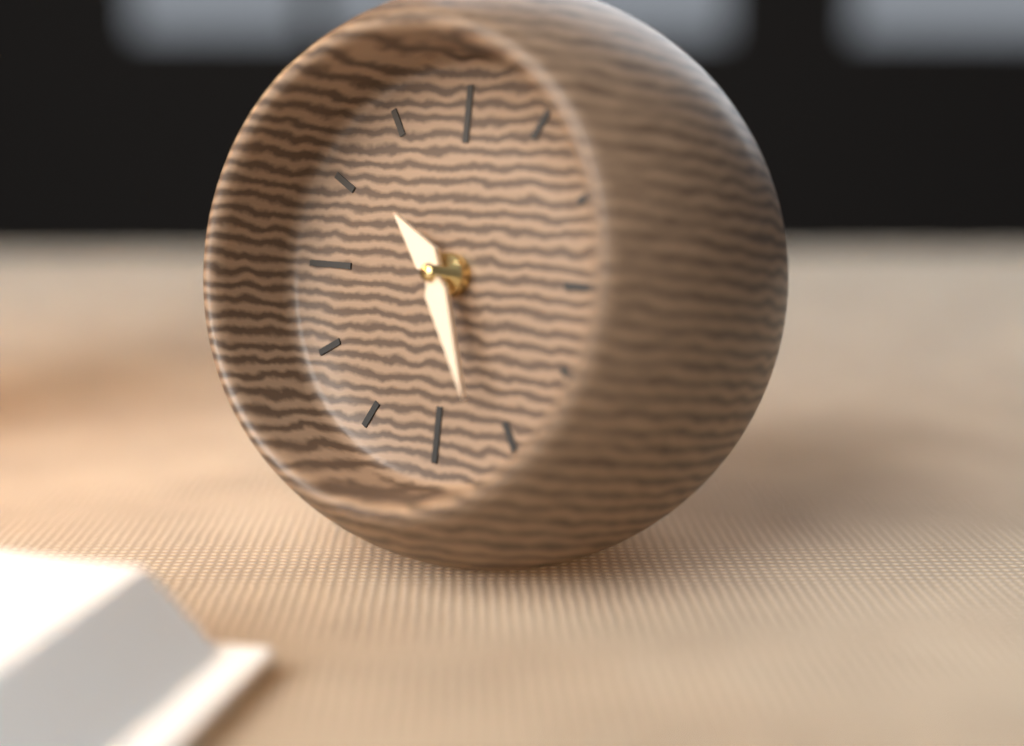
10 h 26 min
